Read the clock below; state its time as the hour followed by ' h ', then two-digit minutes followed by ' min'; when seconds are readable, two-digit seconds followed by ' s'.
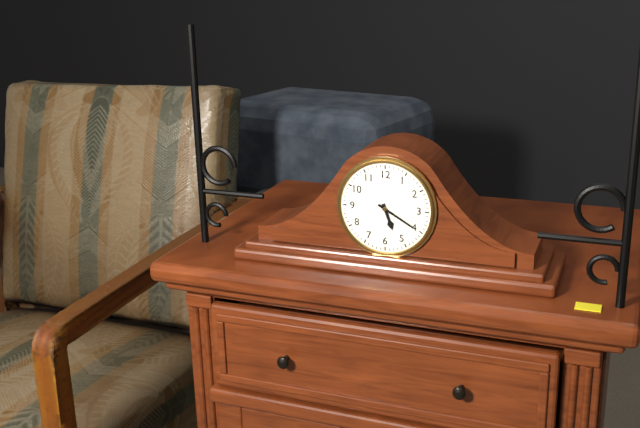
5 h 20 min
